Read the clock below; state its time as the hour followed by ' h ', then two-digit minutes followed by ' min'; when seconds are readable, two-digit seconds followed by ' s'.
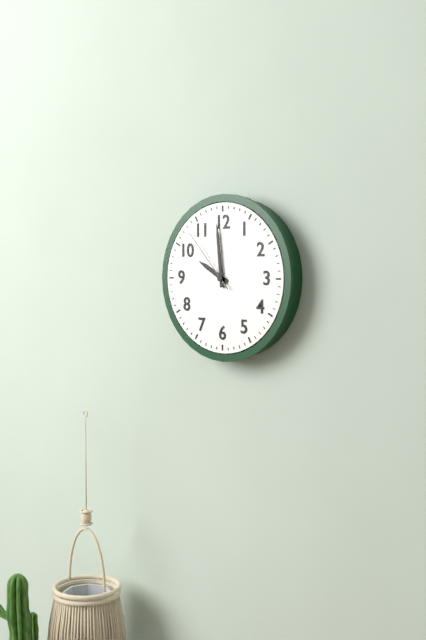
9 h 59 min 53 s
